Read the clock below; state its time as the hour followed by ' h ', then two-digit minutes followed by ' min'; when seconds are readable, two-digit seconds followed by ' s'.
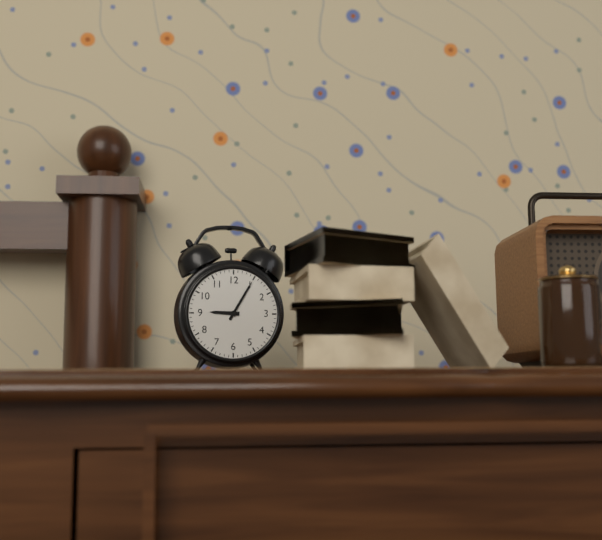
9 h 05 min
